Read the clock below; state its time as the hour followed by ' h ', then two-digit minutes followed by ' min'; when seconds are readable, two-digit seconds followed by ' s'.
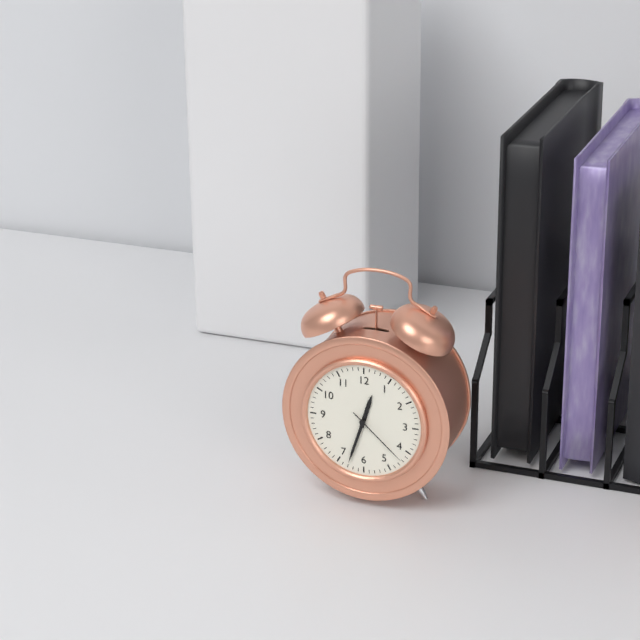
12 h 33 min 22 s
